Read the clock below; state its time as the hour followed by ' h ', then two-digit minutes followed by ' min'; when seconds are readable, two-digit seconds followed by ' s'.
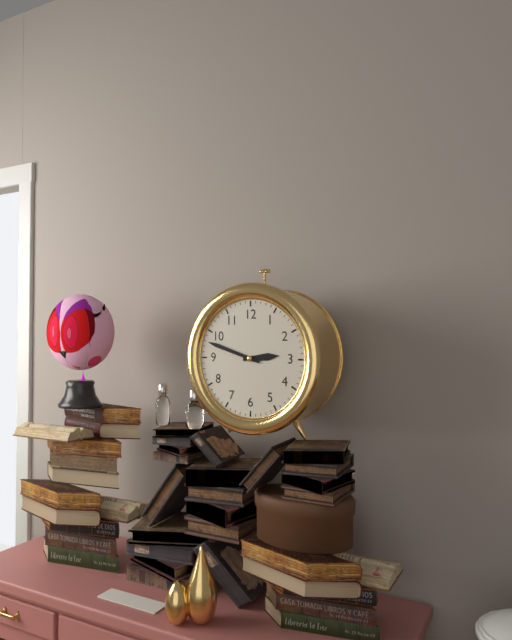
2 h 48 min
